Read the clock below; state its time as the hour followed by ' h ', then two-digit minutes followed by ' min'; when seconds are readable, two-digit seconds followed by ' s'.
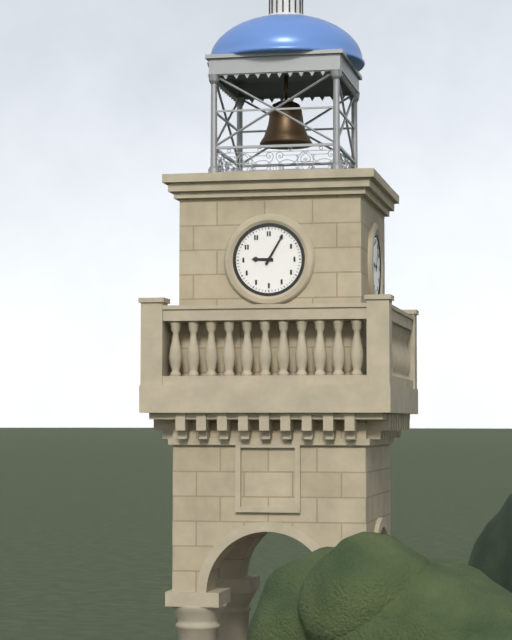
9 h 05 min
